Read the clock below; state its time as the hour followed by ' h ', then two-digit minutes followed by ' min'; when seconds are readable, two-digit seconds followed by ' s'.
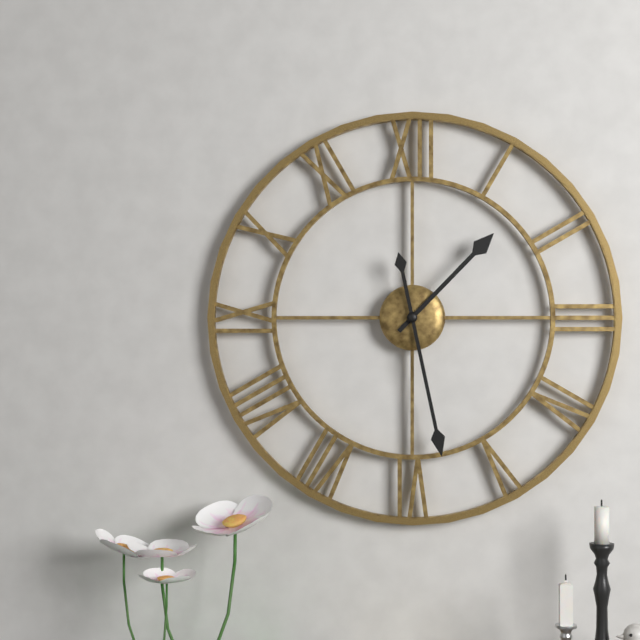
1 h 28 min
